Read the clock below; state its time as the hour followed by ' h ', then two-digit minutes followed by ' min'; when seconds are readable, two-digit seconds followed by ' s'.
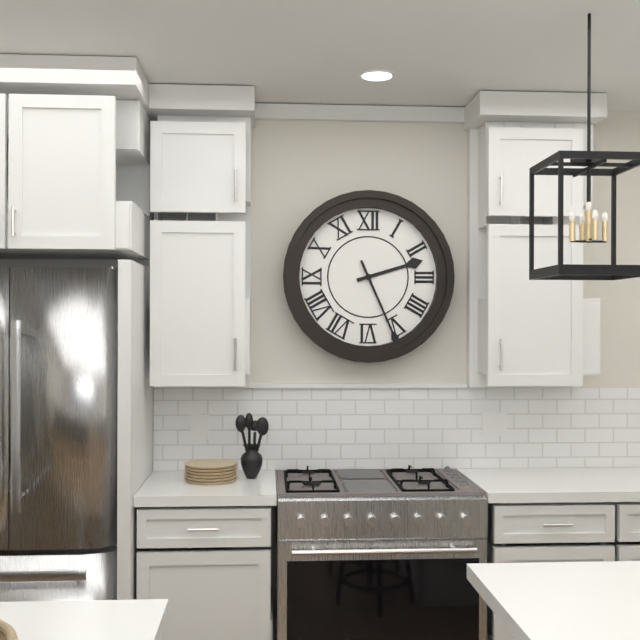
2 h 26 min
